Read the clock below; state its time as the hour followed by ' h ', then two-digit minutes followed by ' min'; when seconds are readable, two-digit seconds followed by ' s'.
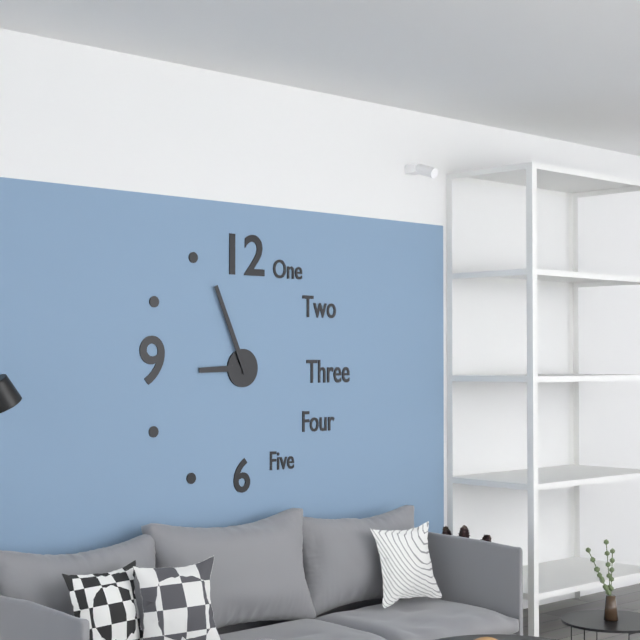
8 h 56 min
